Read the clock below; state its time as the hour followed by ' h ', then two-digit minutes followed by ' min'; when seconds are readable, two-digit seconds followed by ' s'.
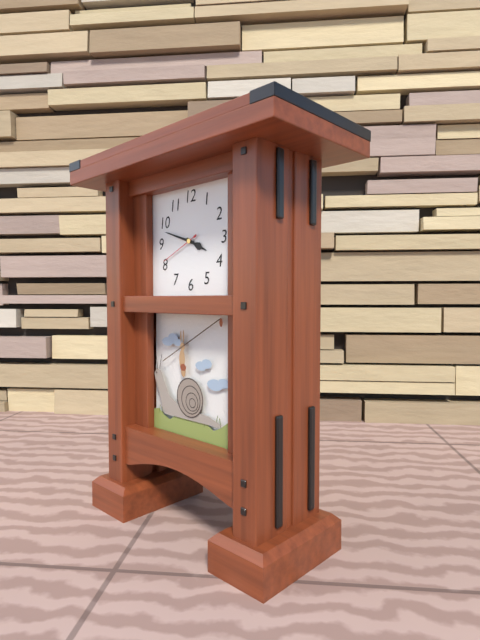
3 h 48 min
